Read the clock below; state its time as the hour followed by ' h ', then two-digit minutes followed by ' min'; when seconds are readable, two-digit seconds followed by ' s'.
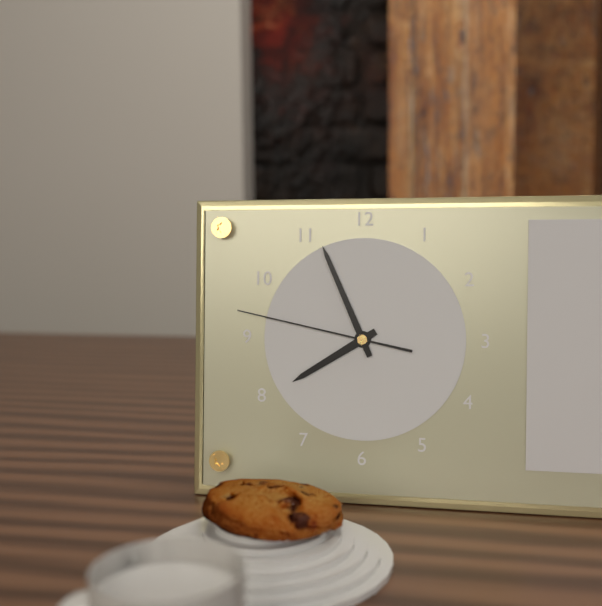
7 h 56 min 47 s
